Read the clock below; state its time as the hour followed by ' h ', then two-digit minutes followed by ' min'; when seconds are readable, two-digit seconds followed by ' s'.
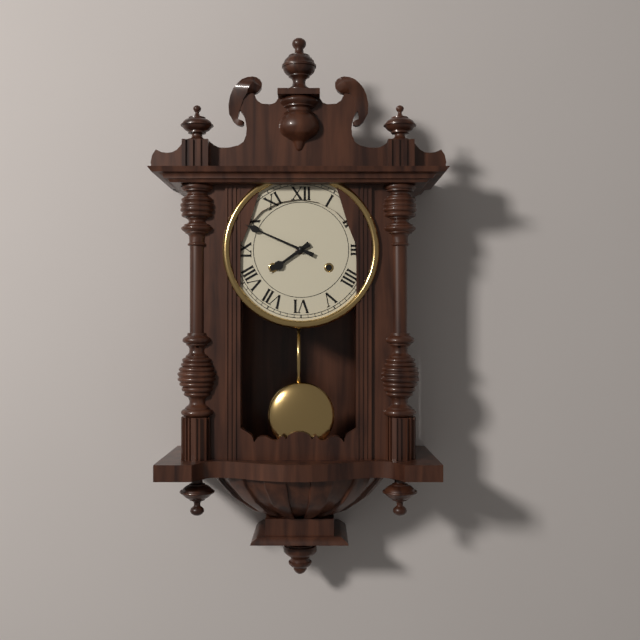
7 h 49 min
